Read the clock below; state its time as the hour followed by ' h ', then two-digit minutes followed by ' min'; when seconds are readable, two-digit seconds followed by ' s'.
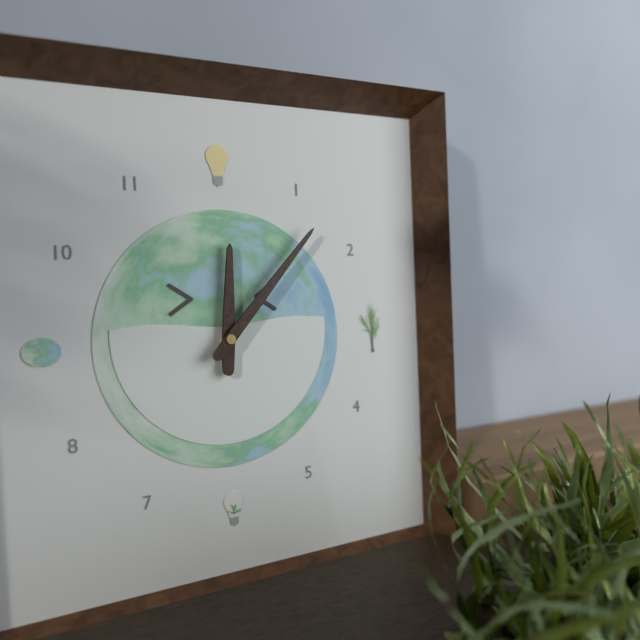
12 h 07 min
